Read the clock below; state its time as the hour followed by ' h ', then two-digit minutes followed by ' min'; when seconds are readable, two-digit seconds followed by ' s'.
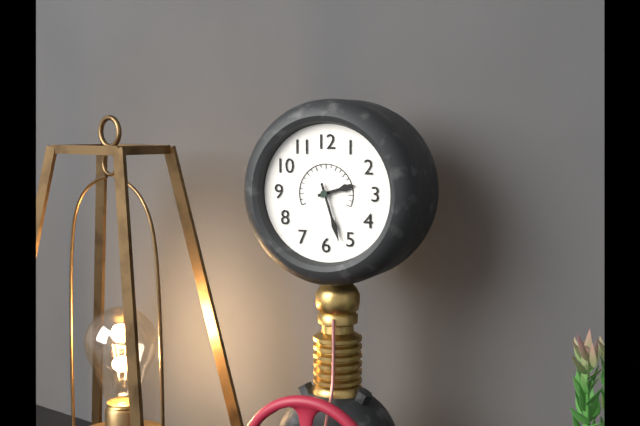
2 h 27 min
